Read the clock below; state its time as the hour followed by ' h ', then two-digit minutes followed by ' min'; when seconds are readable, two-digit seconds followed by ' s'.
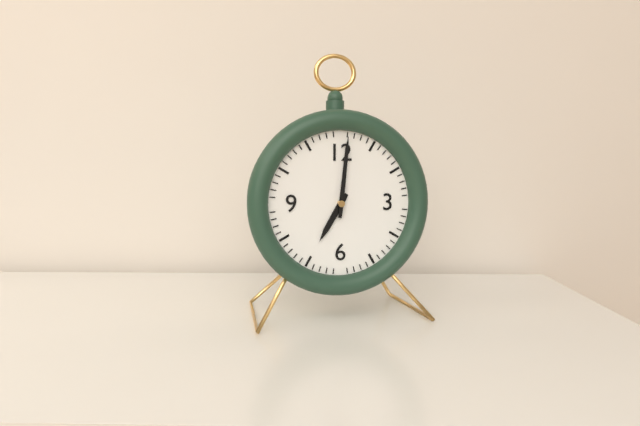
7 h 01 min
